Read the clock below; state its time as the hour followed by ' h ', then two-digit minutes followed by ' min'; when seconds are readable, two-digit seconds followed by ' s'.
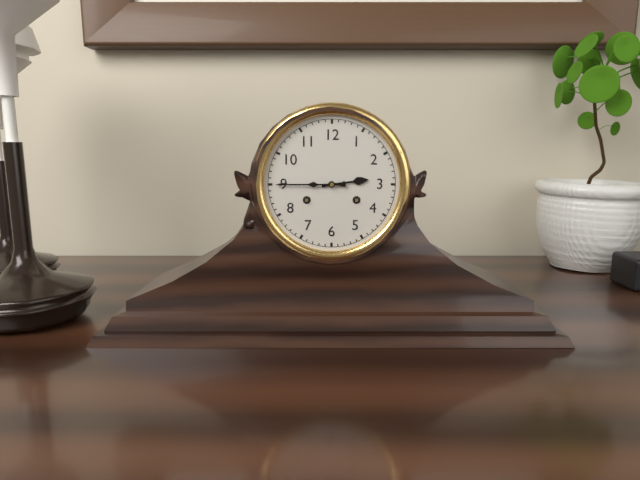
2 h 45 min
